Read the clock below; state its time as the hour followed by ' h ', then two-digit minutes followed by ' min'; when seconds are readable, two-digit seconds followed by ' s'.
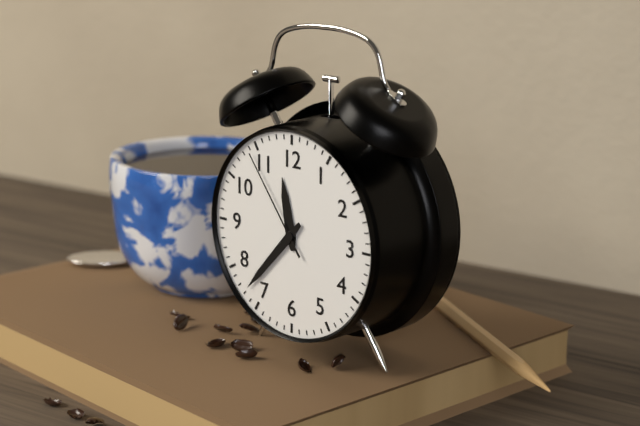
11 h 37 min 54 s
